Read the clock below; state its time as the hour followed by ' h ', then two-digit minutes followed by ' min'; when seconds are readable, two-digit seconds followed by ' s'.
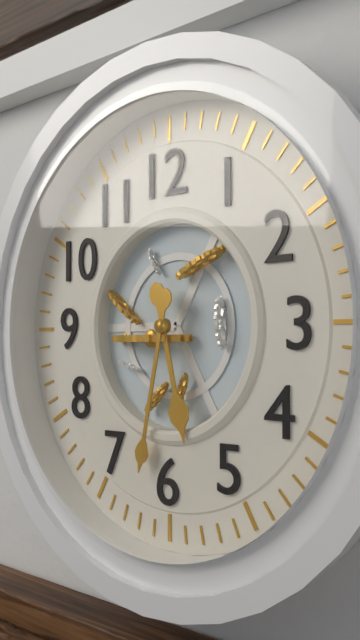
5 h 32 min
